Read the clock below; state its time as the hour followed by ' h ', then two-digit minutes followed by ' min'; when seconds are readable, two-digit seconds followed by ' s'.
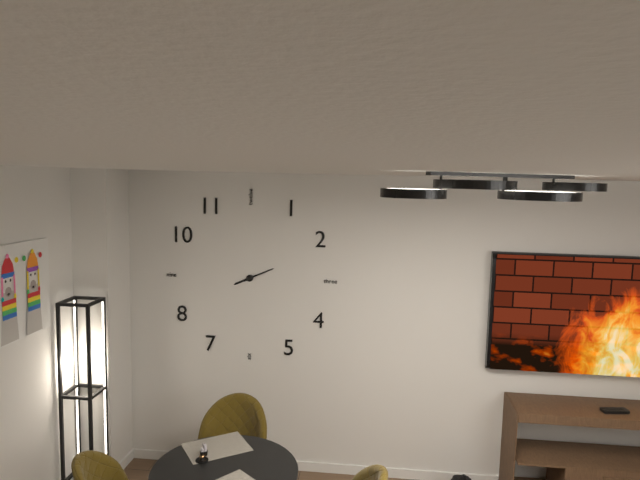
8 h 11 min
